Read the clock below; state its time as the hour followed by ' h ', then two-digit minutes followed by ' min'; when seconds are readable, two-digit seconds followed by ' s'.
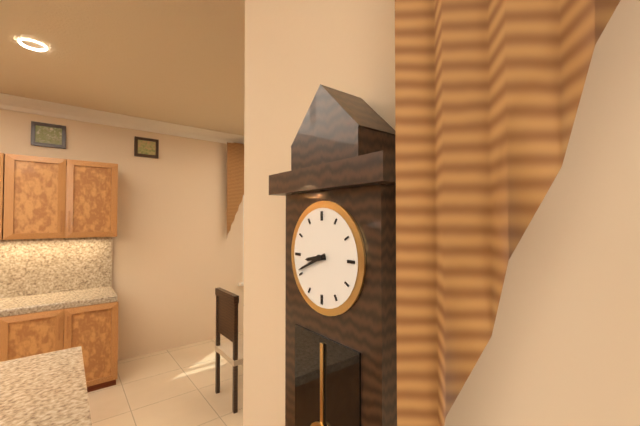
8 h 41 min
